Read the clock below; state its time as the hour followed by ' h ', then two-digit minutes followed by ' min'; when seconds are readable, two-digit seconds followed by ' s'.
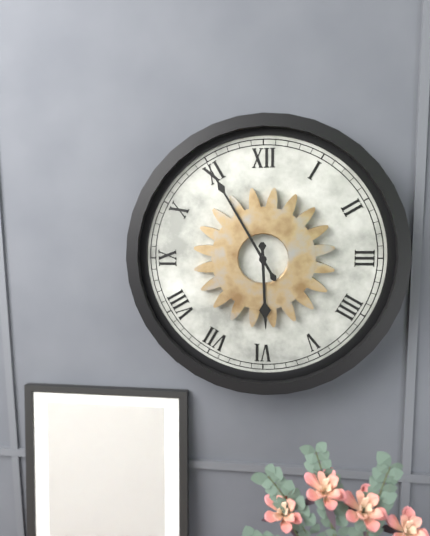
5 h 55 min
